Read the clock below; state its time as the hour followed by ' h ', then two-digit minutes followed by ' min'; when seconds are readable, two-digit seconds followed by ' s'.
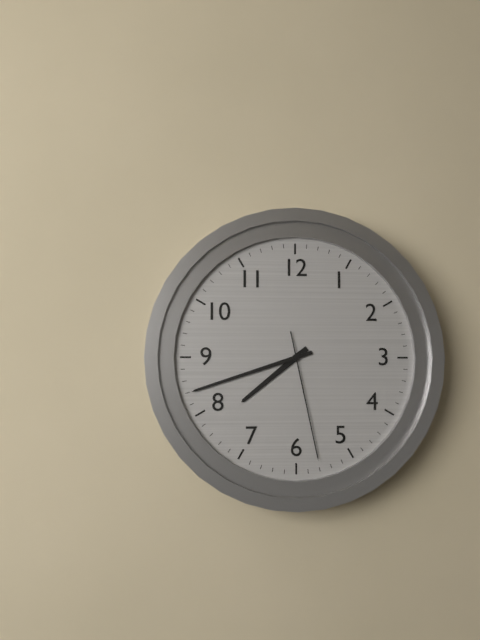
7 h 42 min 28 s
